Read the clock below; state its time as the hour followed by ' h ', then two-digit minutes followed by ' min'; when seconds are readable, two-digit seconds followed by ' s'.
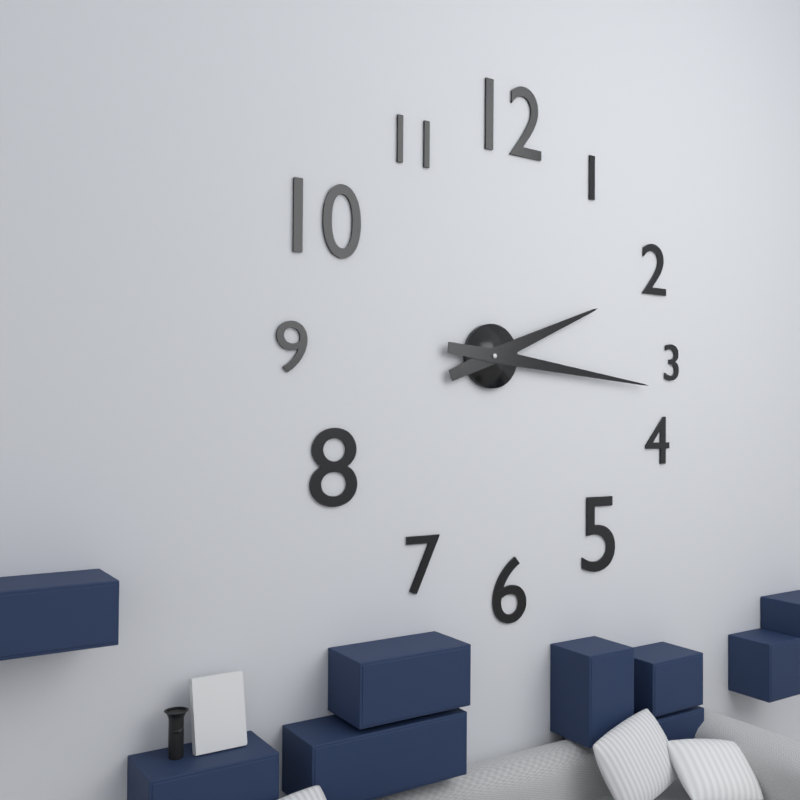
2 h 16 min
